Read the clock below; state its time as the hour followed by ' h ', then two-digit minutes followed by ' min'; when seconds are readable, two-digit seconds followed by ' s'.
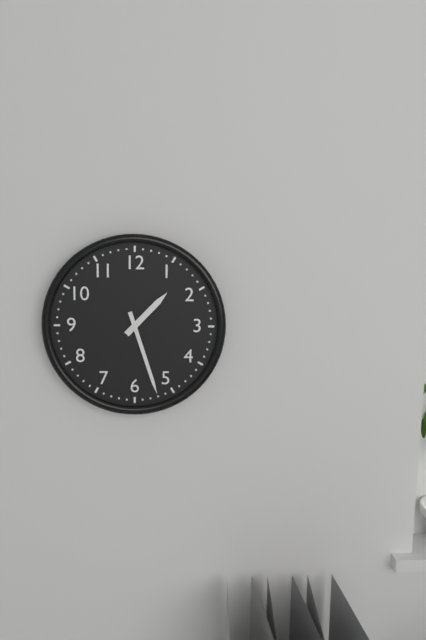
1 h 27 min
